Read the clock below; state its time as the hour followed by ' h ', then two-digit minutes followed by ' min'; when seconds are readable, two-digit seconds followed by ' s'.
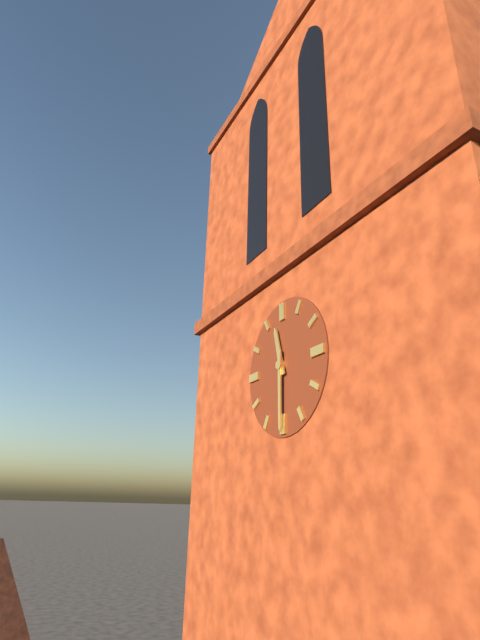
11 h 30 min
